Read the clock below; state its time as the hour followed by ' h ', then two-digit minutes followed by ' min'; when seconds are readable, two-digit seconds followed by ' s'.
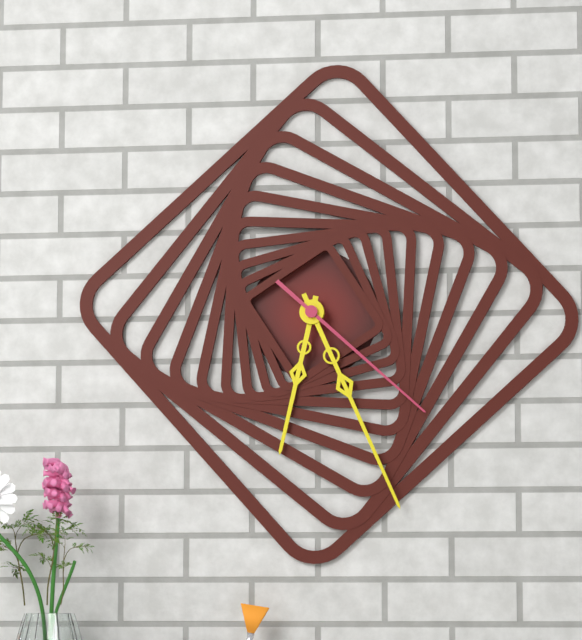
6 h 26 min 22 s
